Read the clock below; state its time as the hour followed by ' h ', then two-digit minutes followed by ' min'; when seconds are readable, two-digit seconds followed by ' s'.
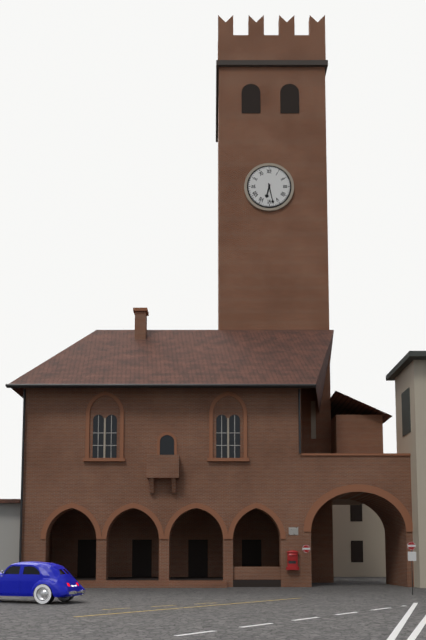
6 h 28 min
